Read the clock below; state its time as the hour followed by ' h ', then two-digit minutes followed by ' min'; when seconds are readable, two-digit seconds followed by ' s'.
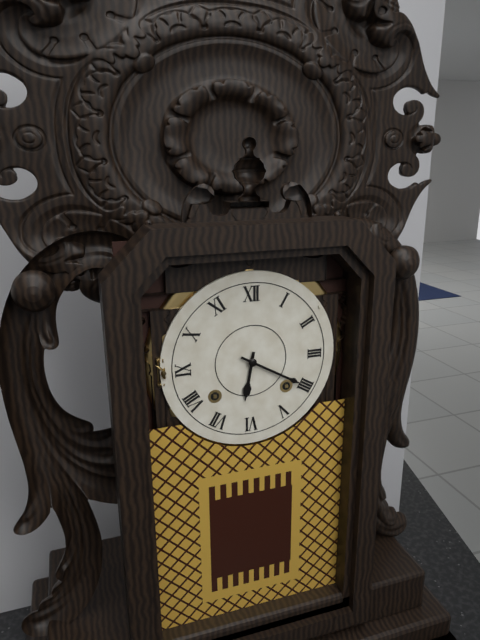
6 h 20 min
